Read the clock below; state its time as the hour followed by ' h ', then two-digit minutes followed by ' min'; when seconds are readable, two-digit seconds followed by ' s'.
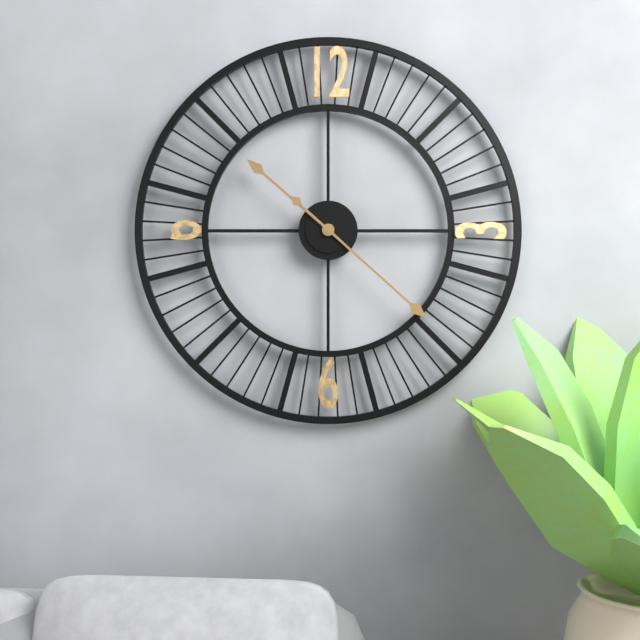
10 h 22 min
